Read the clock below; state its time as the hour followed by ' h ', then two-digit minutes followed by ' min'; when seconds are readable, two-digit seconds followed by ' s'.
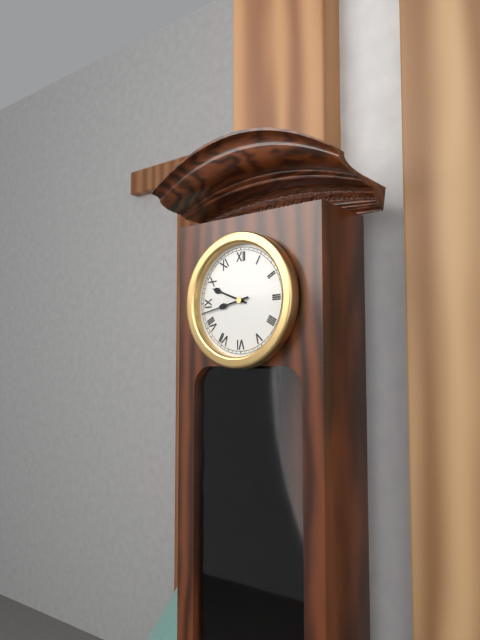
9 h 43 min
